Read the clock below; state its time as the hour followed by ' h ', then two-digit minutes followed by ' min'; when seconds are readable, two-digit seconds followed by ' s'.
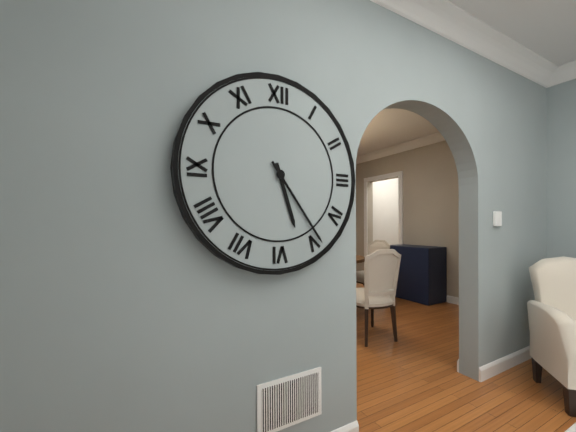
5 h 24 min
